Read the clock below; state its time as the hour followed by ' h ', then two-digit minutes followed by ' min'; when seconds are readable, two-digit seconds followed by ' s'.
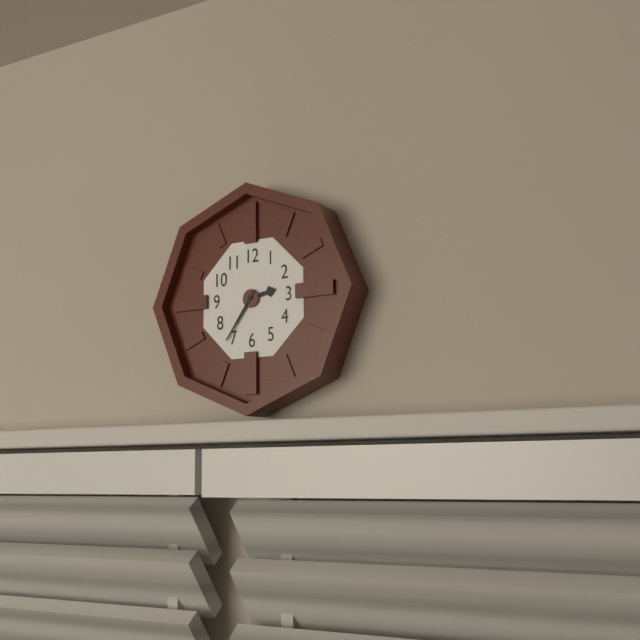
2 h 36 min
